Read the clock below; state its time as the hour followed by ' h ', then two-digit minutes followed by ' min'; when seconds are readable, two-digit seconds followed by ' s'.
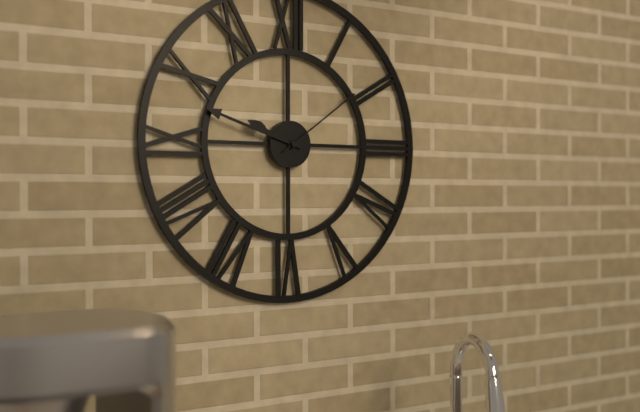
9 h 48 min 09 s
